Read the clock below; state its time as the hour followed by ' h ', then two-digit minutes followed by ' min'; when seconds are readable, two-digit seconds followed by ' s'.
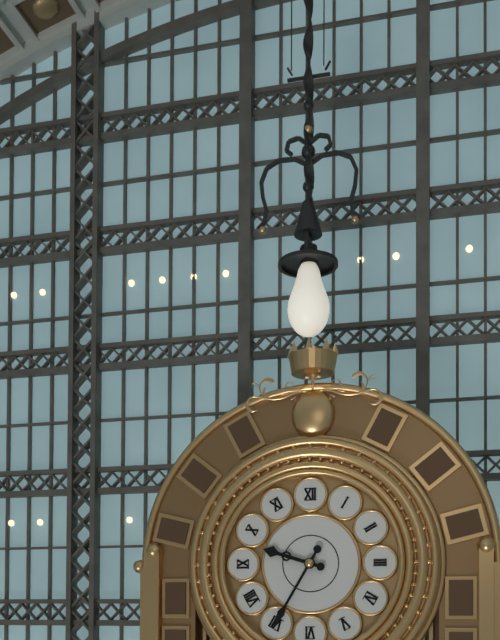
9 h 35 min
